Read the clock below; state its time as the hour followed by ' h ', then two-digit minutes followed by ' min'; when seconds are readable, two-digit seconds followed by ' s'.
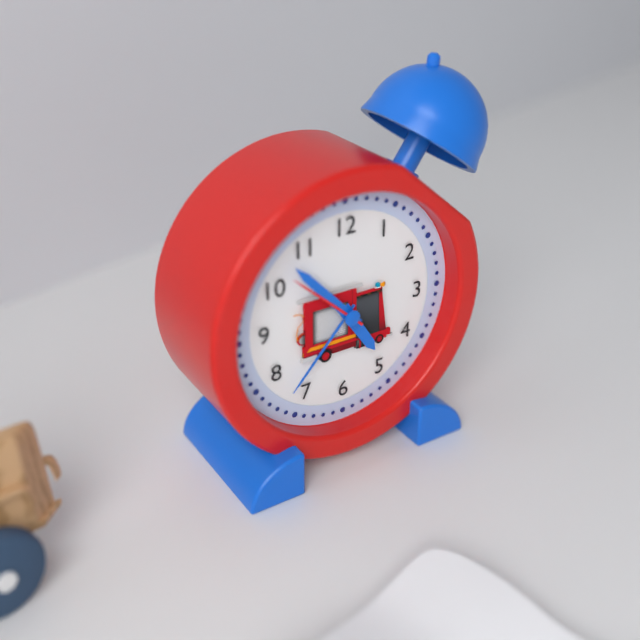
4 h 53 min
